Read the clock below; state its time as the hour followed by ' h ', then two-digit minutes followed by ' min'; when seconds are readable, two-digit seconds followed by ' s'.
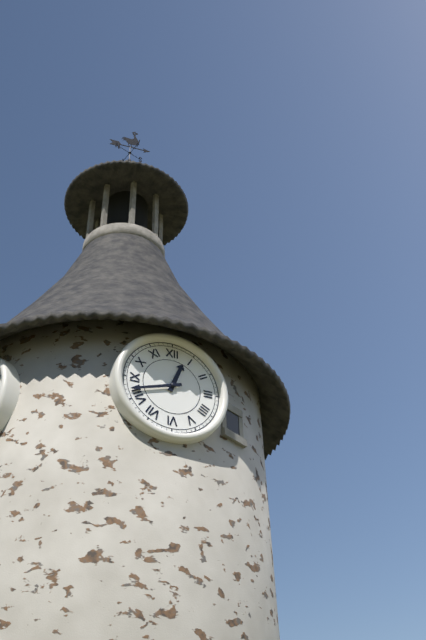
12 h 42 min
